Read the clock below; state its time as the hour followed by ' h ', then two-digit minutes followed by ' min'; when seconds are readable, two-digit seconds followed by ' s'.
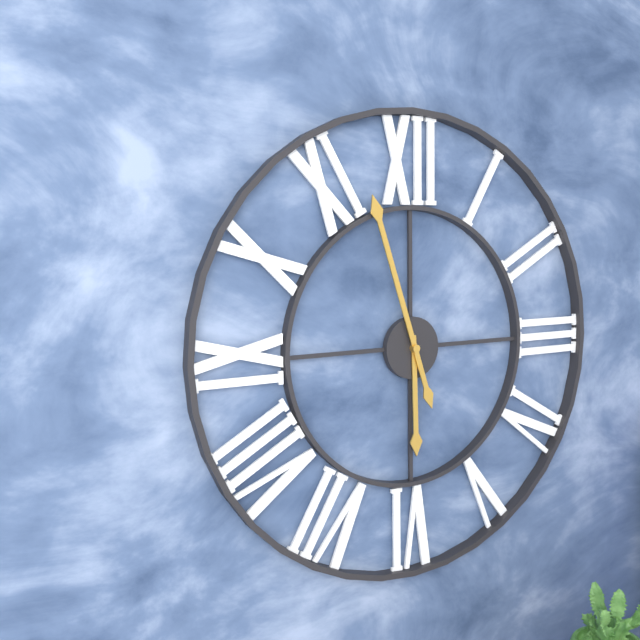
5 h 57 min
